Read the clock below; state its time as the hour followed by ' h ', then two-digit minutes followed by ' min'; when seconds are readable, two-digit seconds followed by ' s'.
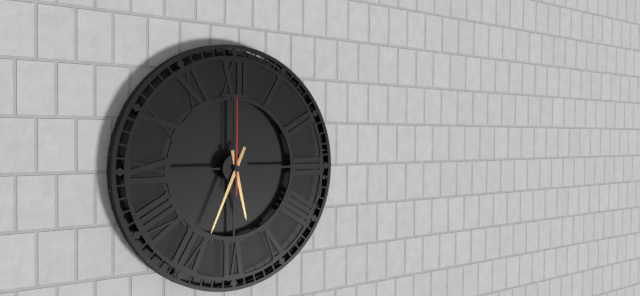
5 h 34 min 00 s
